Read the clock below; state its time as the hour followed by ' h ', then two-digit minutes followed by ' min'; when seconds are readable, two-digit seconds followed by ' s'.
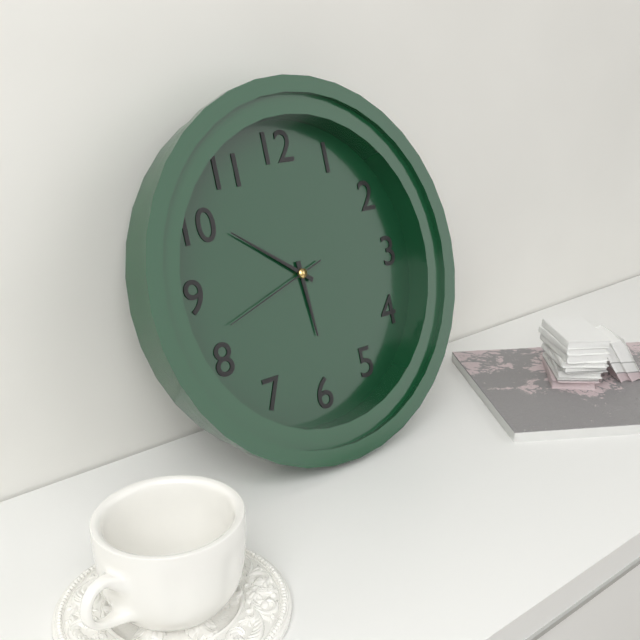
5 h 51 min 42 s
